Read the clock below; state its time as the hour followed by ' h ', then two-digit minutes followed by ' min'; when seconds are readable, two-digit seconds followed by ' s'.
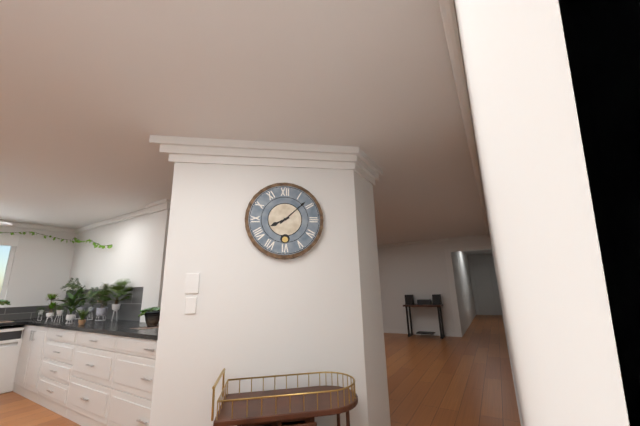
8 h 08 min
